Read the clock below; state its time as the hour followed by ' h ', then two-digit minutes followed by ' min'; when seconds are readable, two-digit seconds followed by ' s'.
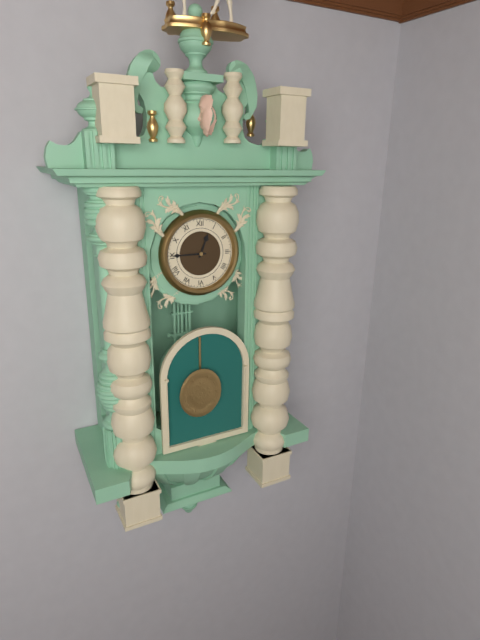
12 h 45 min
